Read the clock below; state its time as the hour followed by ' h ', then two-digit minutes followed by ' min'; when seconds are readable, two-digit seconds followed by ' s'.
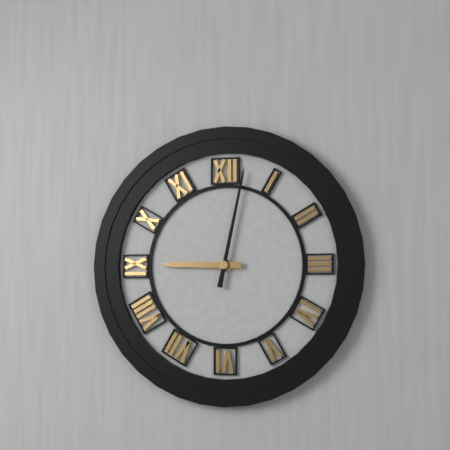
9 h 02 min
